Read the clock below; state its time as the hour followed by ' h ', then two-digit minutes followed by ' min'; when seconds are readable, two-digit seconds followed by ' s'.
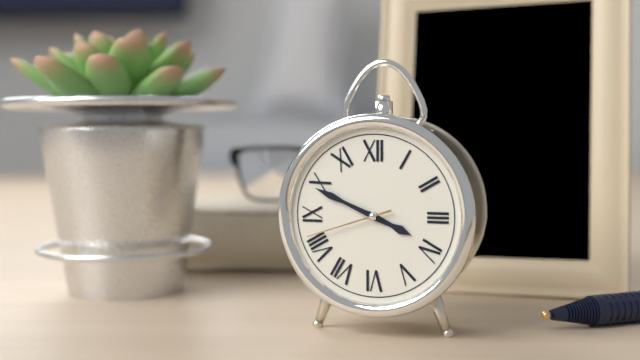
3 h 49 min 42 s
